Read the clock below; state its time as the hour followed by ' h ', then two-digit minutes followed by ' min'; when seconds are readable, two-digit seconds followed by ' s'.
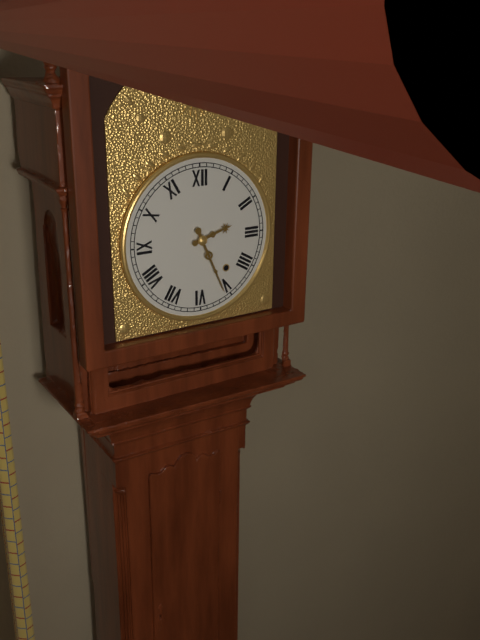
2 h 26 min
